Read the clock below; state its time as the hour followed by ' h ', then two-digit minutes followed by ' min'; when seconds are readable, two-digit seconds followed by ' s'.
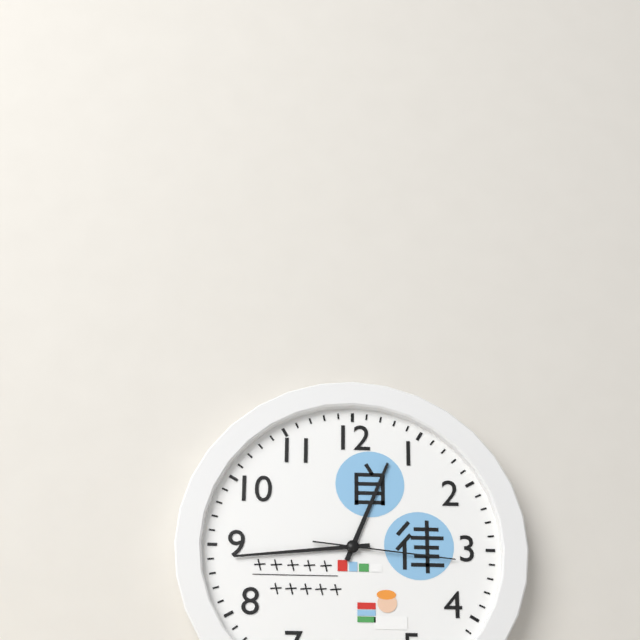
12 h 44 min 16 s
